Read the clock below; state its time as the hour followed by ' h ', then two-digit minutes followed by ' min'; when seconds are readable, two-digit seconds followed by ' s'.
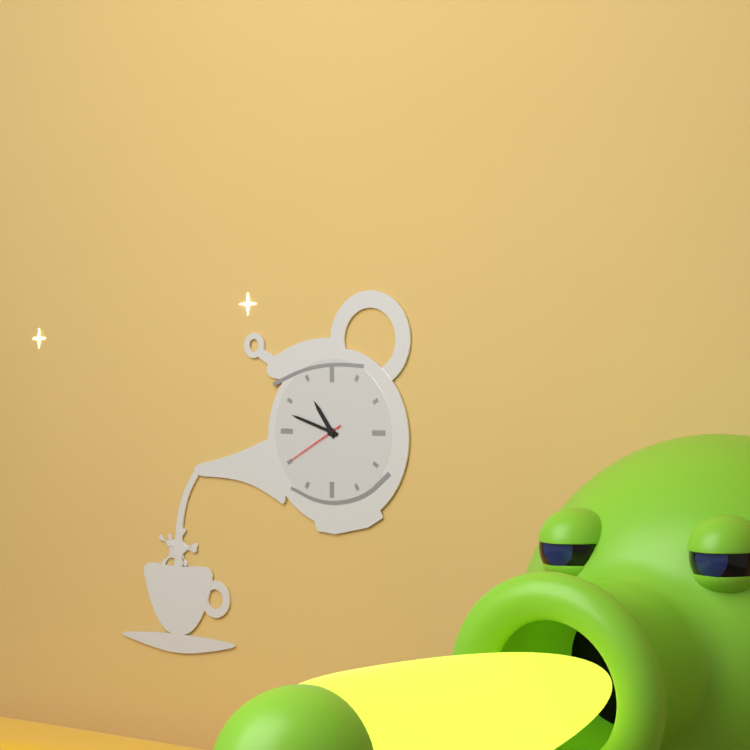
10 h 48 min 40 s
